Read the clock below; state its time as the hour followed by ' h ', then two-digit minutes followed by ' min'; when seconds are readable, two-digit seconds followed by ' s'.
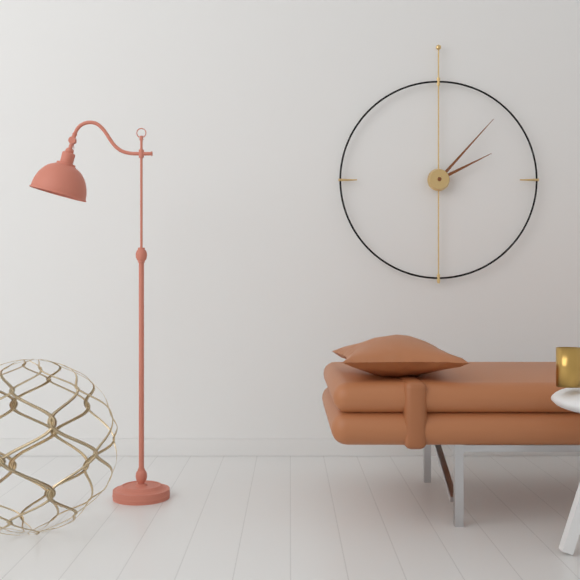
2 h 07 min
